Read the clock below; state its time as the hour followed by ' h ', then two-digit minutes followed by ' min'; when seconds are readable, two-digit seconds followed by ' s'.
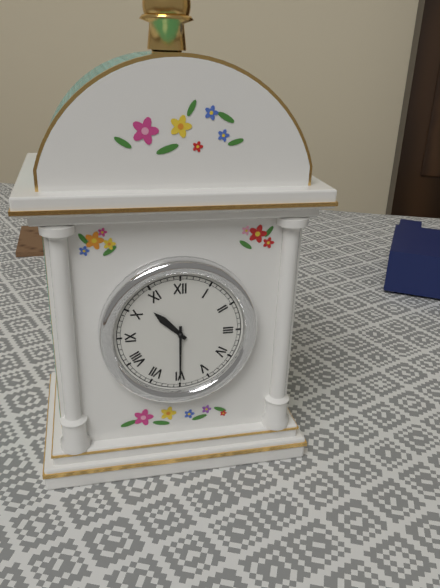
10 h 30 min
